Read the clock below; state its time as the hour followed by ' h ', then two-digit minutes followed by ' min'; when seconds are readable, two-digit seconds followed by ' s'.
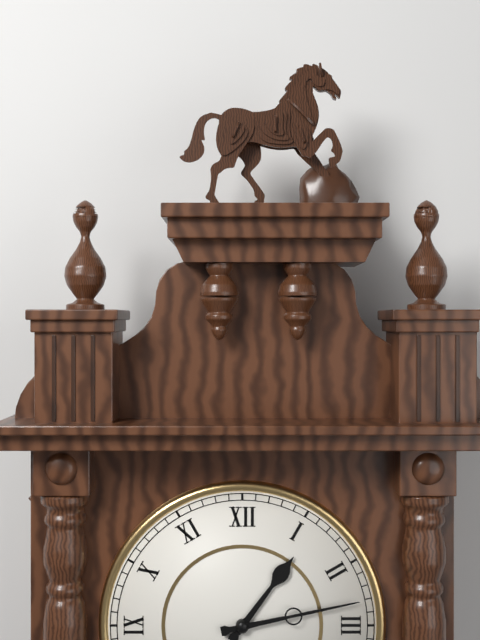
1 h 13 min
